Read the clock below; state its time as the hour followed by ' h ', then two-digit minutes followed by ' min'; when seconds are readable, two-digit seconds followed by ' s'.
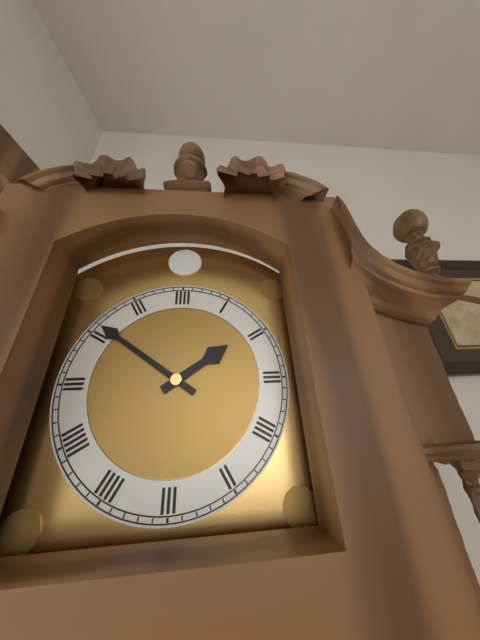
1 h 51 min
